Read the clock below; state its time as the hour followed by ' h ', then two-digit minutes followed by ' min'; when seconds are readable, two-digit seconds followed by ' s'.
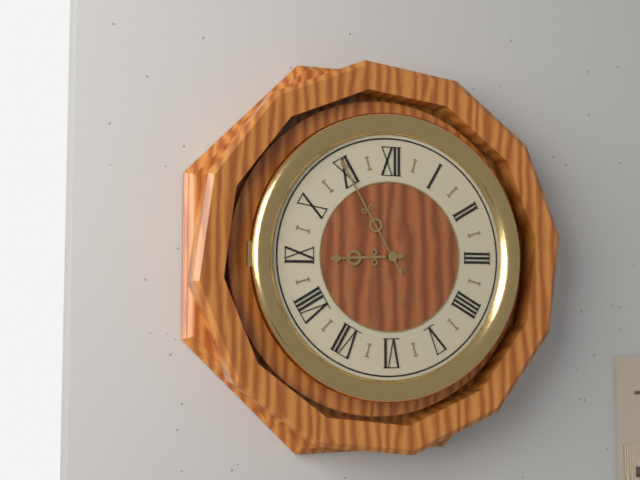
8 h 55 min
